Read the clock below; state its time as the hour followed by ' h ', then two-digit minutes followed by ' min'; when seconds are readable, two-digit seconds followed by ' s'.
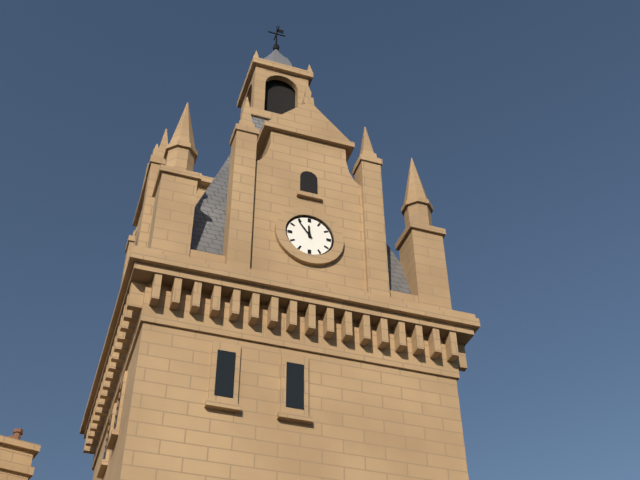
11 h 54 min
